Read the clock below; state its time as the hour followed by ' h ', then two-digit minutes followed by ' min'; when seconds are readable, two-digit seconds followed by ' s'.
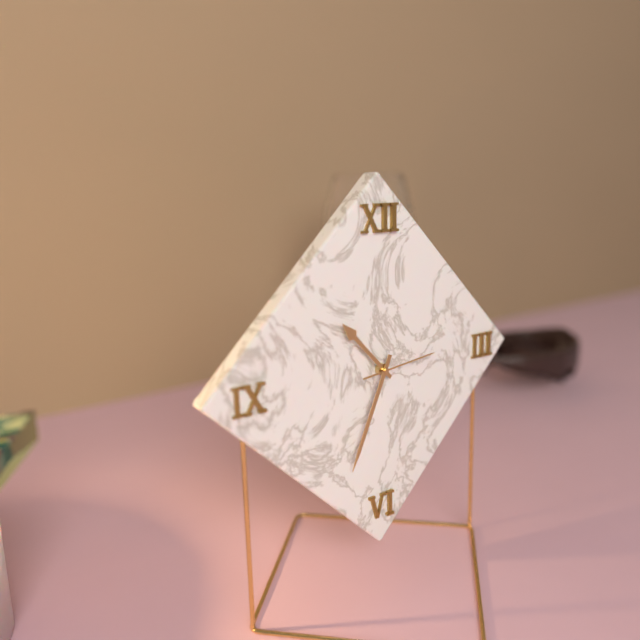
10 h 34 min 14 s
